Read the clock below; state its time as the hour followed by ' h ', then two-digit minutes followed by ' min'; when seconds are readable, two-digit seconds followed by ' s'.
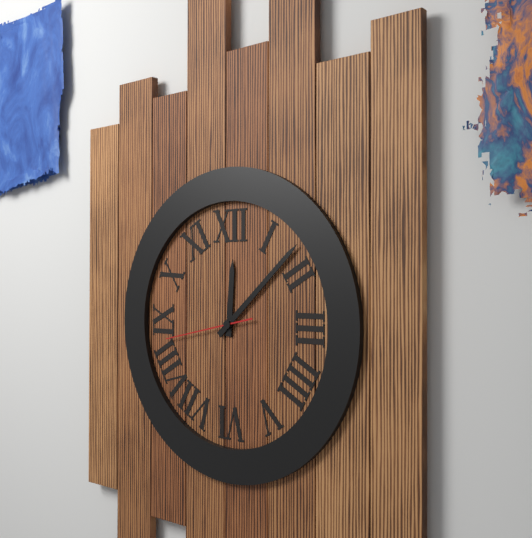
12 h 08 min 43 s
